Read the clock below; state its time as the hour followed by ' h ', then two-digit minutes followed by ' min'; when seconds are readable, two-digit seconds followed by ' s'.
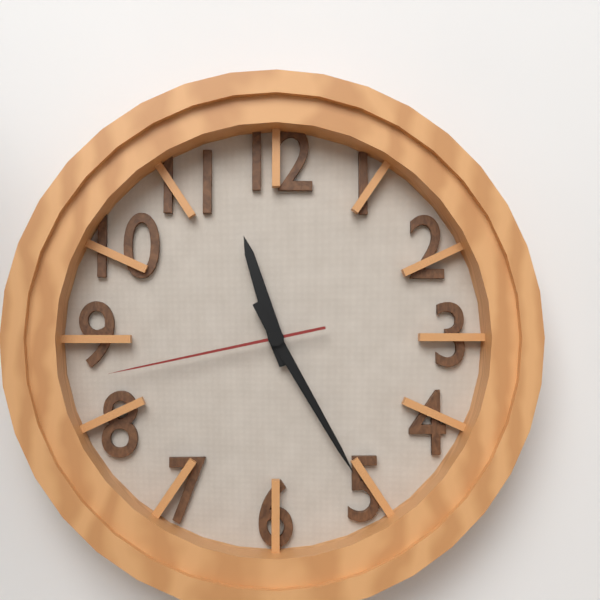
11 h 25 min 43 s
